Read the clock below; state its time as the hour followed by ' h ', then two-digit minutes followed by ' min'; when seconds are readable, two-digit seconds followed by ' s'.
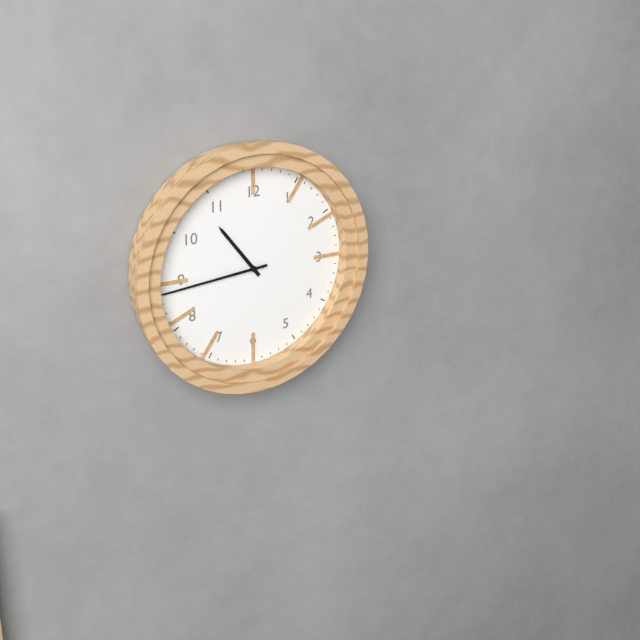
10 h 44 min
